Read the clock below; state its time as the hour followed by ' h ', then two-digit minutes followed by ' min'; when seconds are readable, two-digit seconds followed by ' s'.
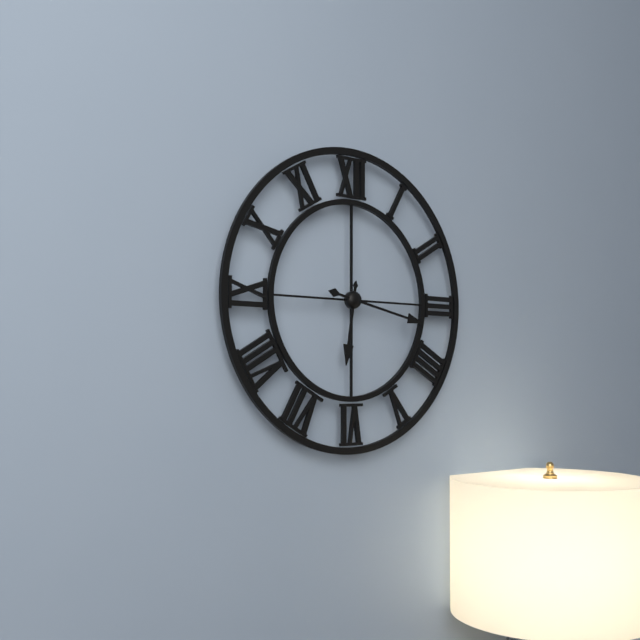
6 h 17 min
